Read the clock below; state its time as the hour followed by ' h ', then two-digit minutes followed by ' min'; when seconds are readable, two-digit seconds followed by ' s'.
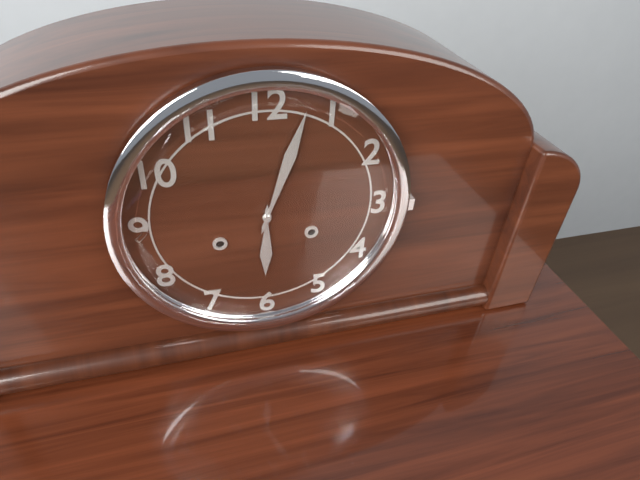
6 h 03 min
